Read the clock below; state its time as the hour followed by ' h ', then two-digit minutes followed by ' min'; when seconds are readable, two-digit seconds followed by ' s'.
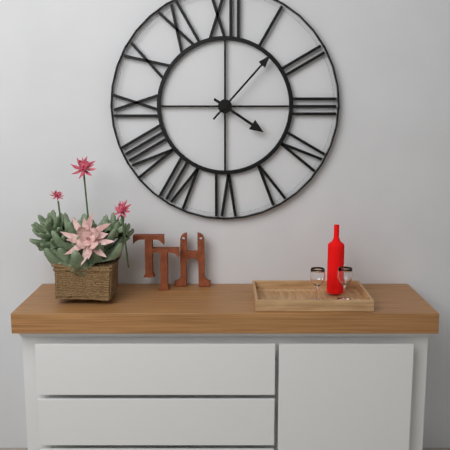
4 h 07 min
